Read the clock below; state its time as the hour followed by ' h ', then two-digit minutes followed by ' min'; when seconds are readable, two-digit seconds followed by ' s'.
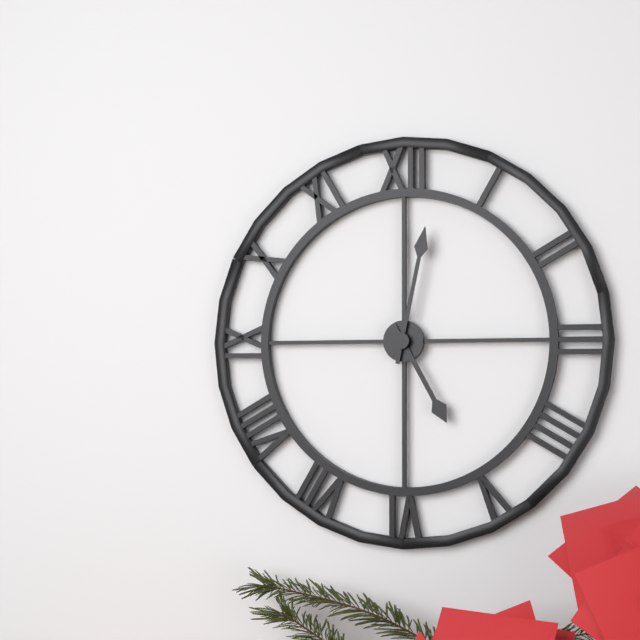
5 h 02 min
